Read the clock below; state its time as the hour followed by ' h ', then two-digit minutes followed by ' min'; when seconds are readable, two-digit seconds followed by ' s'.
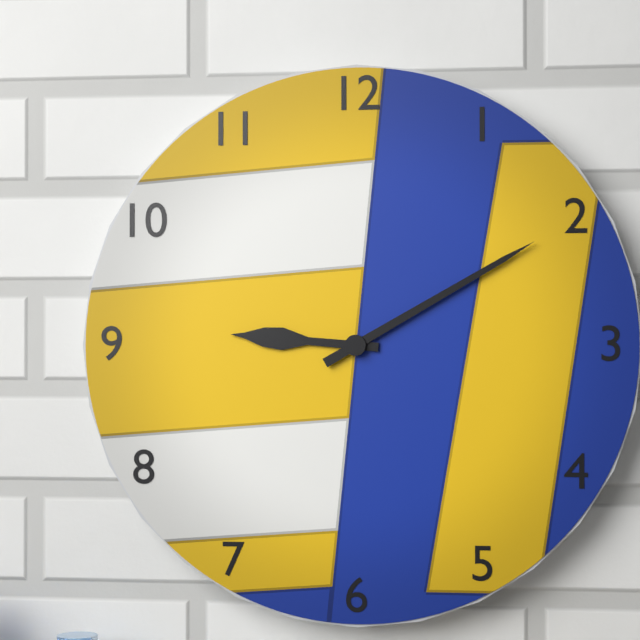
9 h 10 min
